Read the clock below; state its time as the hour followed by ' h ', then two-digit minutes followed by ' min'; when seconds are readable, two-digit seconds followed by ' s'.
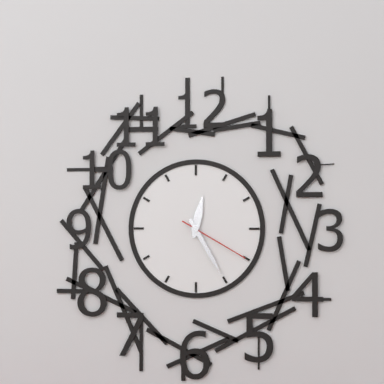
12 h 25 min 20 s
